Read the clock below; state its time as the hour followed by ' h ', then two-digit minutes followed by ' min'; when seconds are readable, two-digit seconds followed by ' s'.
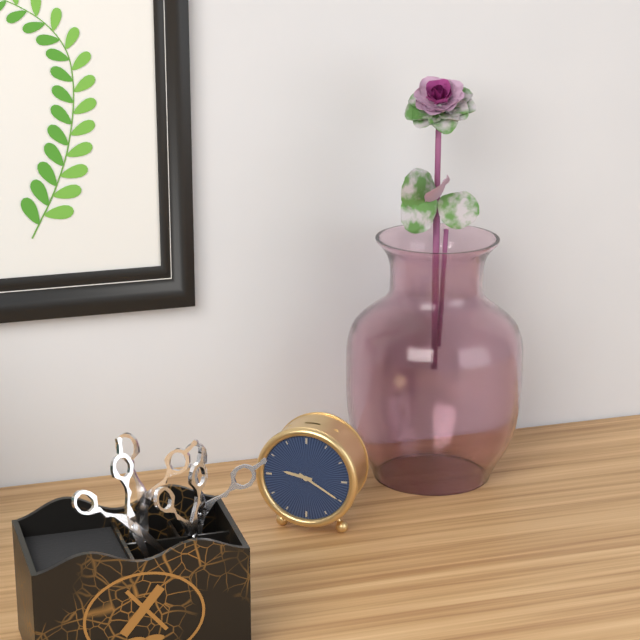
9 h 20 min
